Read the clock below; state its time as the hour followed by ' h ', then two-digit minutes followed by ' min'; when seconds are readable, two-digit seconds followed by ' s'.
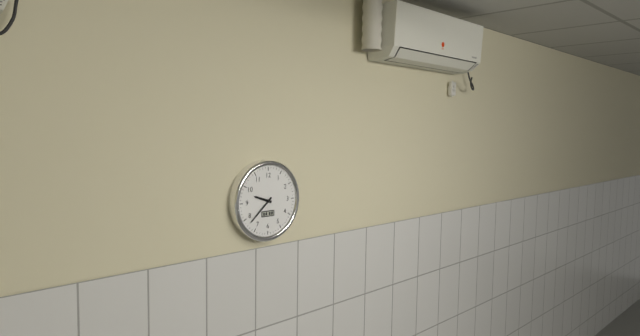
9 h 38 min
